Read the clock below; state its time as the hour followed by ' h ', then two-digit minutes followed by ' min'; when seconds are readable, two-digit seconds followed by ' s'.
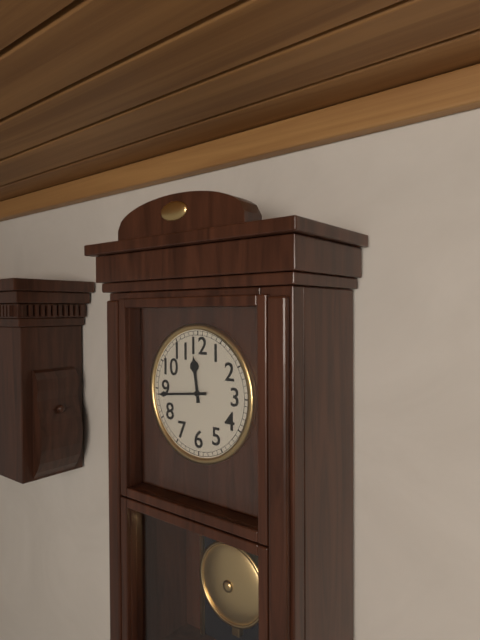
11 h 44 min
